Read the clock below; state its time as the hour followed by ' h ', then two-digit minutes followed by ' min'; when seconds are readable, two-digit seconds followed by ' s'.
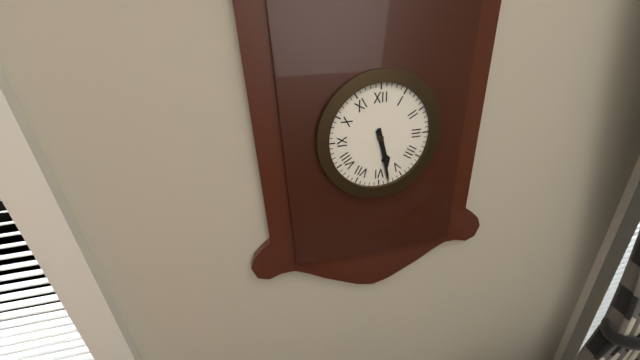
5 h 28 min
